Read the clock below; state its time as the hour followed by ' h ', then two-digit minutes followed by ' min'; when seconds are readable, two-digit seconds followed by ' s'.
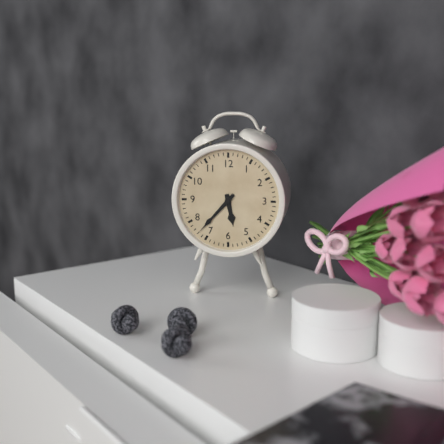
5 h 37 min
